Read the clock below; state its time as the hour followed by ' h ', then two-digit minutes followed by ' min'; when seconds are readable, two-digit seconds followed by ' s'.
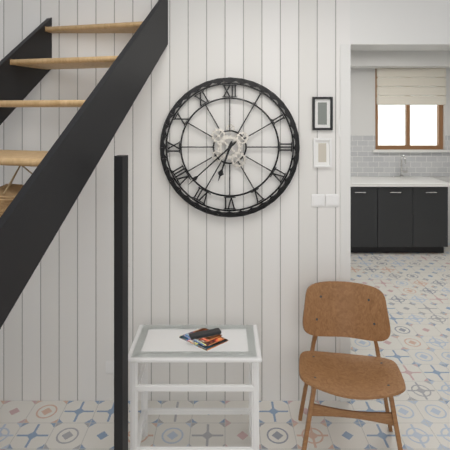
6 h 38 min
